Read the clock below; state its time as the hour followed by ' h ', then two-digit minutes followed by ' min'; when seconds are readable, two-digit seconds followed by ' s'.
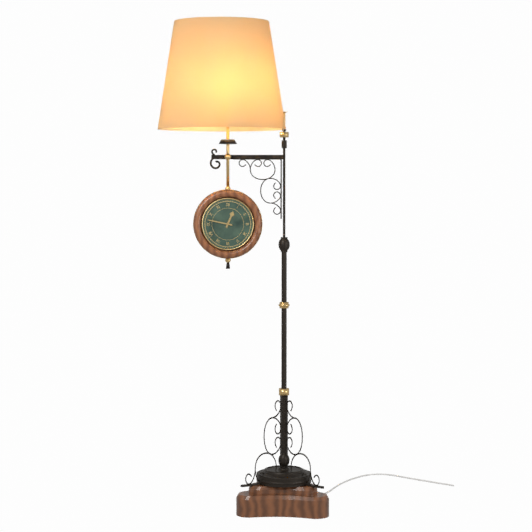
12 h 47 min
